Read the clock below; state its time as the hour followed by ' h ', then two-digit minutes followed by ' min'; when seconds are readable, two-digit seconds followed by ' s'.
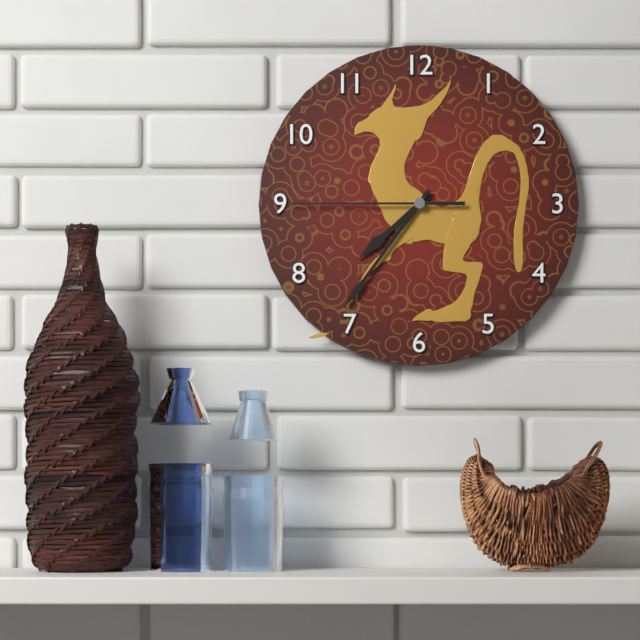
7 h 36 min 45 s
